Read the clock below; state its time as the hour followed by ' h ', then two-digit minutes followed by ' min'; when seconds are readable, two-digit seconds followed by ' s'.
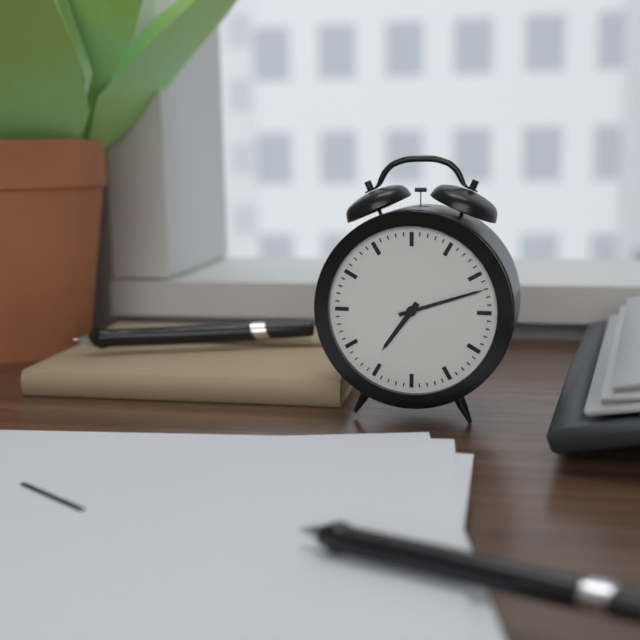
7 h 12 min
